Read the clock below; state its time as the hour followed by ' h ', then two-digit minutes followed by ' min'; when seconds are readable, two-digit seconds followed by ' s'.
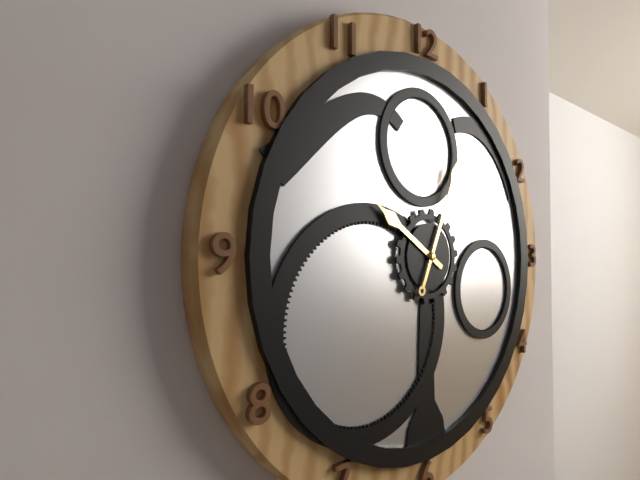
10 h 04 min
